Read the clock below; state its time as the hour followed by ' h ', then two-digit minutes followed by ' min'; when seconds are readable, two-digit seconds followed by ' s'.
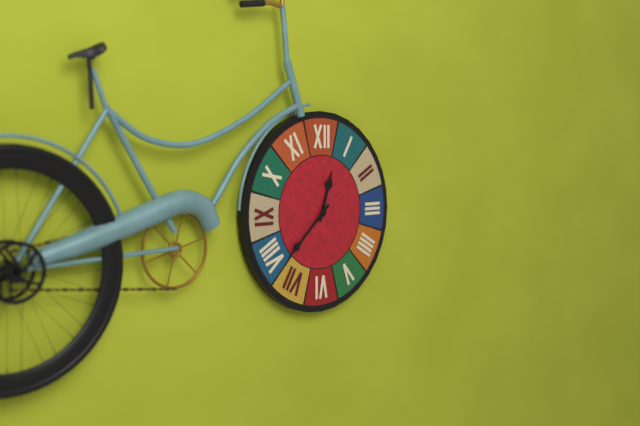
12 h 38 min
